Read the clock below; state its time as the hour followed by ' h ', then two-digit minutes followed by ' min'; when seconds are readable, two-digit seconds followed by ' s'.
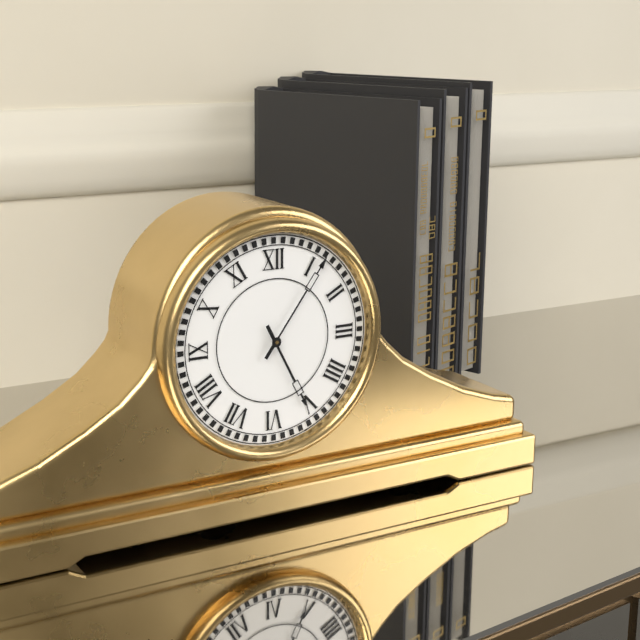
5 h 06 min
